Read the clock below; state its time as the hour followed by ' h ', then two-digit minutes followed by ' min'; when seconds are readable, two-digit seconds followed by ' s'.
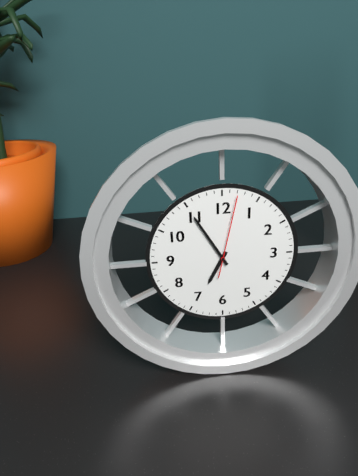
6 h 55 min 02 s
